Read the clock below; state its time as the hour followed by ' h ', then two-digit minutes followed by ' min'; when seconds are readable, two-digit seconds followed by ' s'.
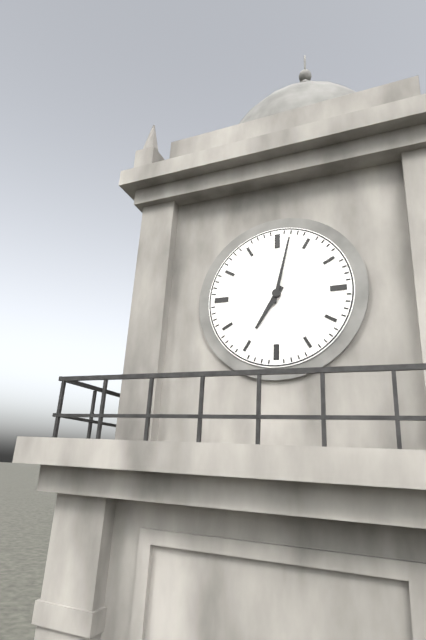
7 h 02 min
